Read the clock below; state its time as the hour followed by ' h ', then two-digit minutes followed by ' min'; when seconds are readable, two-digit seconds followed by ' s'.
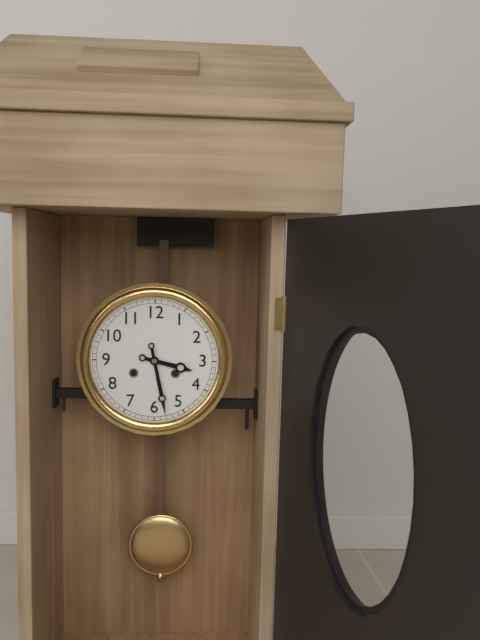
3 h 28 min
